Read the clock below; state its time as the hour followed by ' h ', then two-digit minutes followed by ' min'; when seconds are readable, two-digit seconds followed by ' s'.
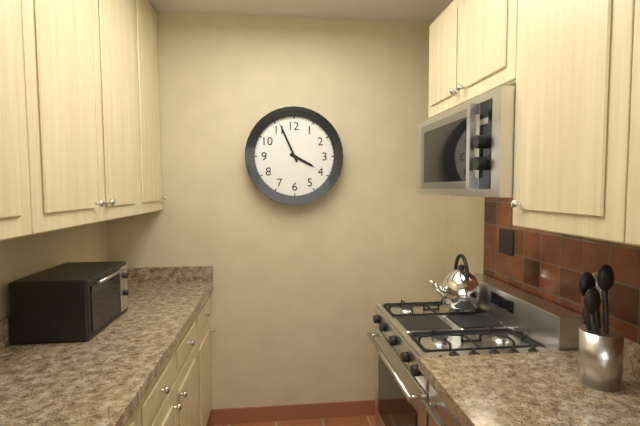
3 h 56 min
